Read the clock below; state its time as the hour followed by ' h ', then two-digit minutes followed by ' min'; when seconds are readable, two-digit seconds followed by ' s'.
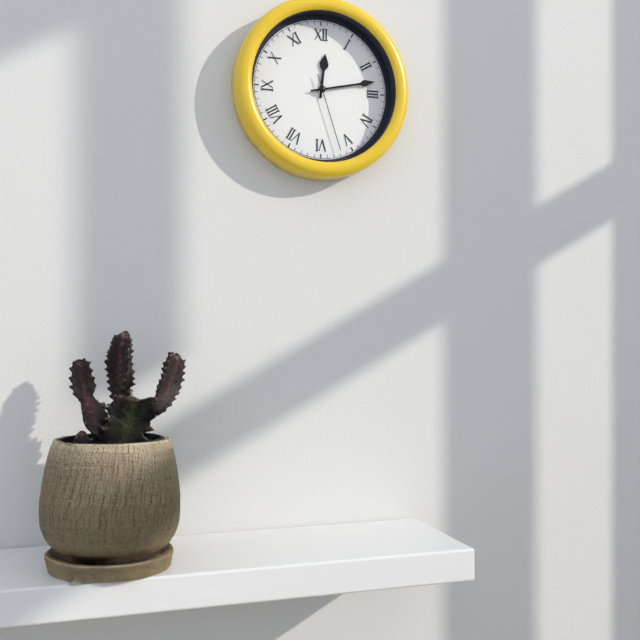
12 h 13 min 27 s
